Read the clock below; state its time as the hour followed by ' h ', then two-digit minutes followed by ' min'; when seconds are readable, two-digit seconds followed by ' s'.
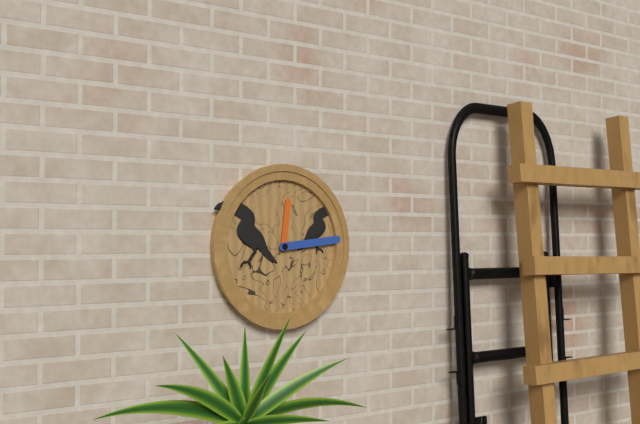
12 h 14 min
